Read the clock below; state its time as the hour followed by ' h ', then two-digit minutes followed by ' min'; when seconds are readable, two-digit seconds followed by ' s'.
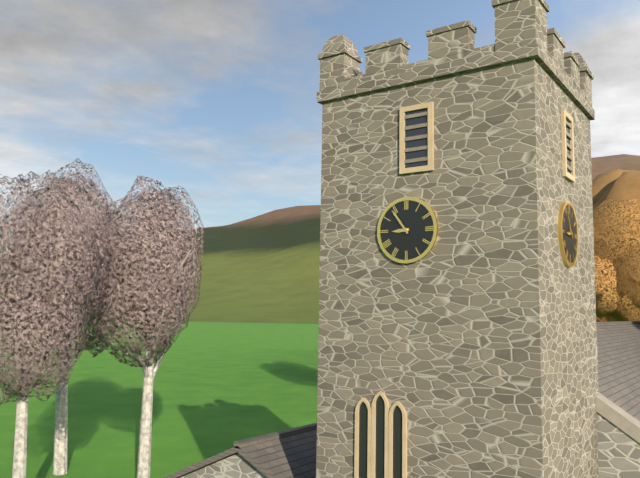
8 h 54 min
